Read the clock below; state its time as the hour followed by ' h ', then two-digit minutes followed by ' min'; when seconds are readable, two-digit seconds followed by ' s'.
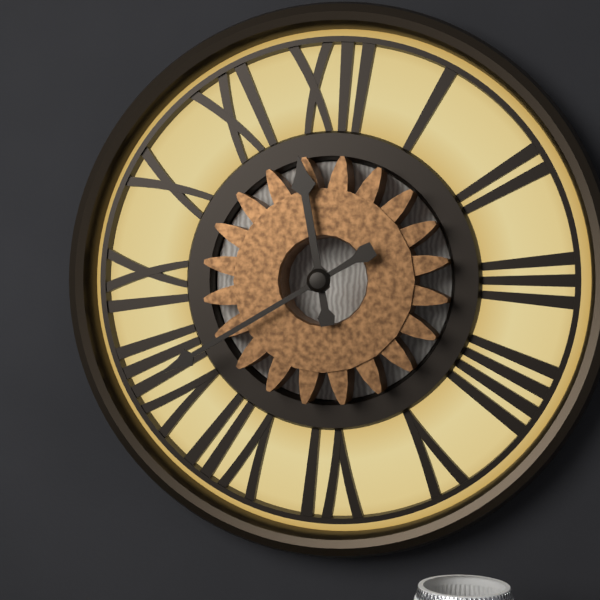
11 h 40 min
